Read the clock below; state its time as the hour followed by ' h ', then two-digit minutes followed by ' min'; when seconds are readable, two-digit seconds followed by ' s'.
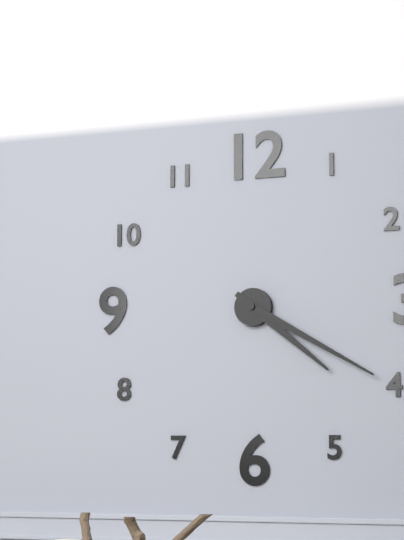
4 h 20 min
